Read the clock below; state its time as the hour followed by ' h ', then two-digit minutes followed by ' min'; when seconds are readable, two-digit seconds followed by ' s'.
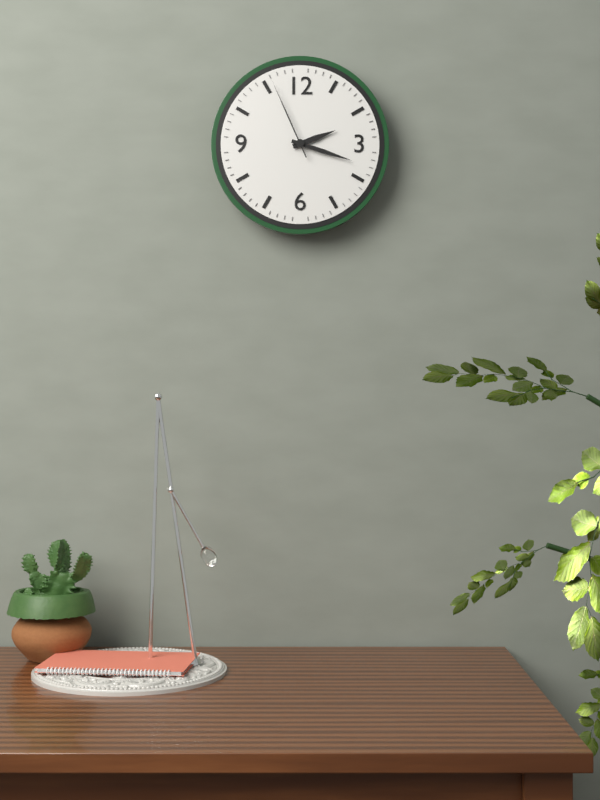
2 h 18 min 56 s
